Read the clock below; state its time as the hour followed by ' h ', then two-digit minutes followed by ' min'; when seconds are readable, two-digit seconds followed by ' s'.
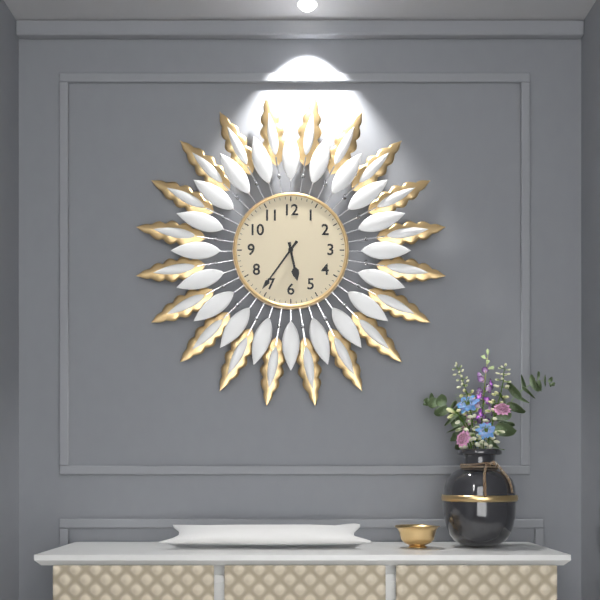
5 h 36 min
